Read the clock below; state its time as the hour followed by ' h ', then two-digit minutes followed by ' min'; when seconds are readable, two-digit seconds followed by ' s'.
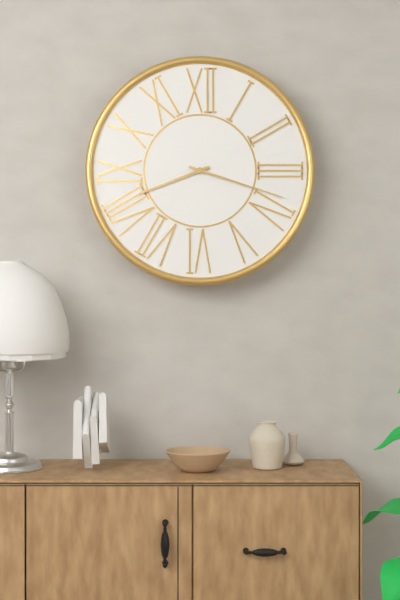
8 h 18 min
